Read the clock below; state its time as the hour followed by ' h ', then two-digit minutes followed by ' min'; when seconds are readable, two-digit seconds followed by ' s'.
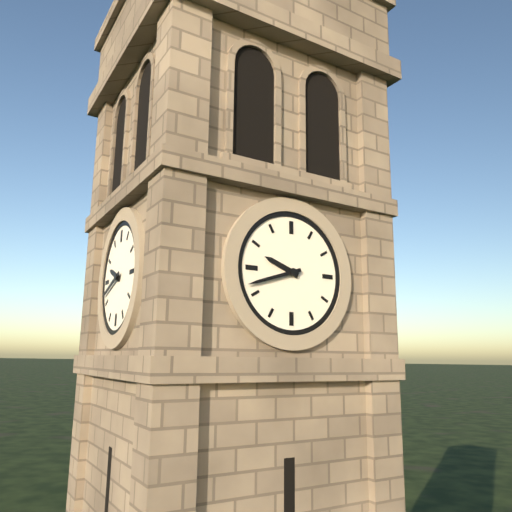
9 h 42 min
